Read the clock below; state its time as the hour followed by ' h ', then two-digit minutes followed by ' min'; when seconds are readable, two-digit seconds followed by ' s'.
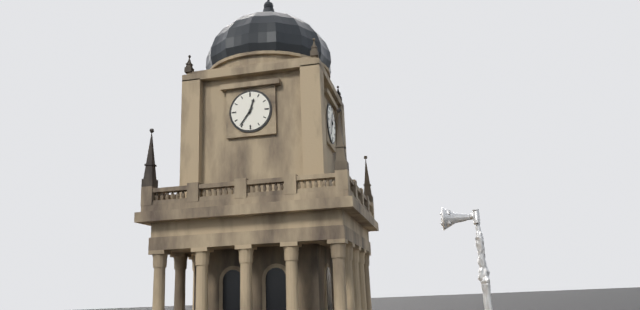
12 h 36 min
